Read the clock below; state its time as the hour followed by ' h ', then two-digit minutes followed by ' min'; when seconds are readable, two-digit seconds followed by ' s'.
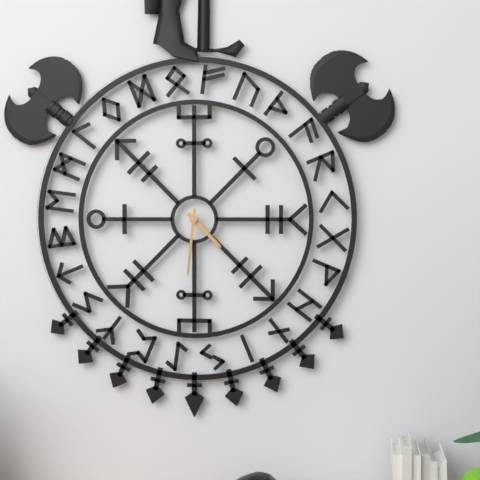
4 h 31 min
